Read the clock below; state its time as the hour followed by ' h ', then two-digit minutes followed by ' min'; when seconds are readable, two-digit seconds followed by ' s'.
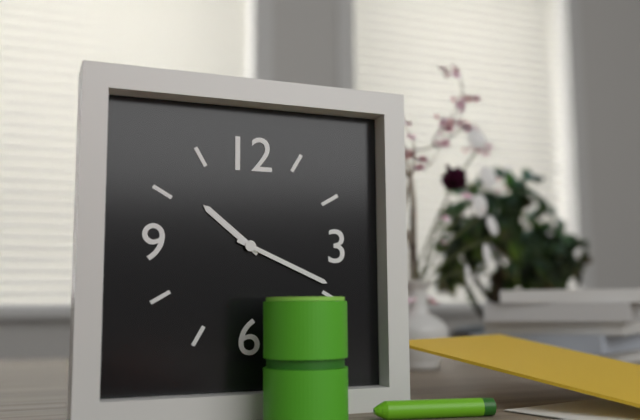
10 h 19 min
